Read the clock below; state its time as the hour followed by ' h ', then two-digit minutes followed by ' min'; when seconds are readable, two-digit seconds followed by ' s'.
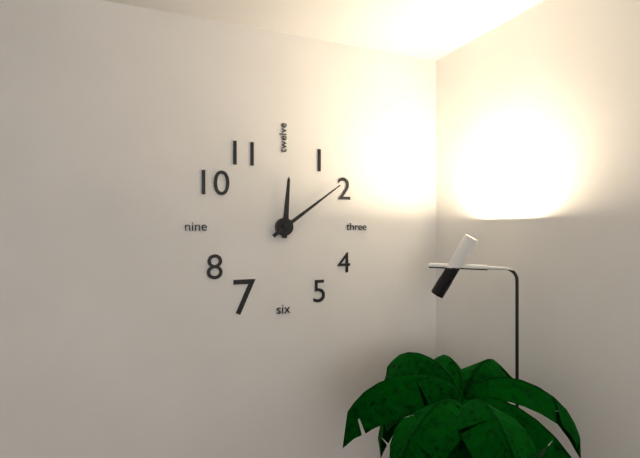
12 h 09 min
